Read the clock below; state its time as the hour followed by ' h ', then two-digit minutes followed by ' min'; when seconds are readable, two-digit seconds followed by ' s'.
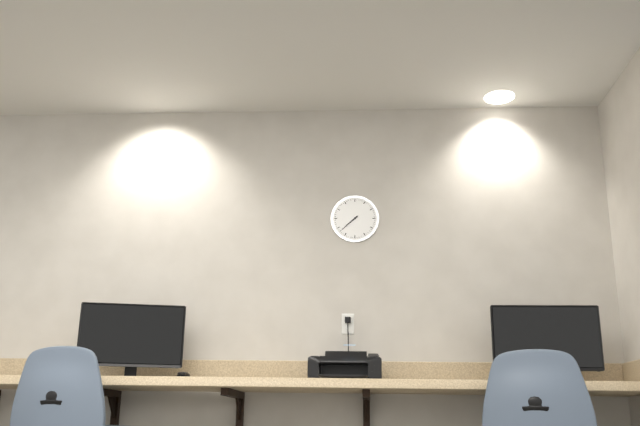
7 h 38 min
